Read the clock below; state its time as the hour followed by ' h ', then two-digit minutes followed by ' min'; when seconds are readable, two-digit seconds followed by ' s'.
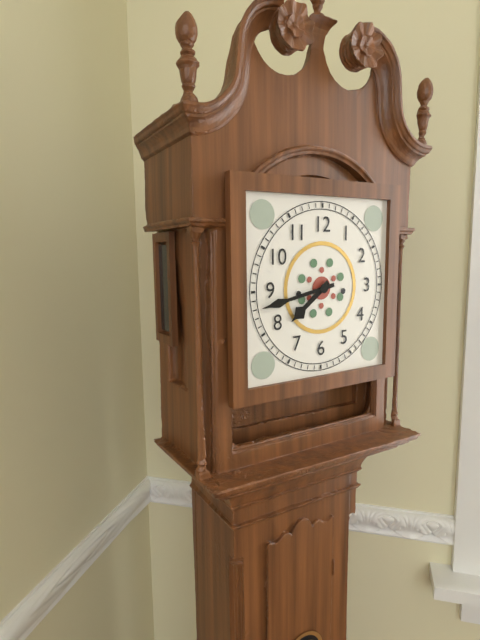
7 h 43 min
